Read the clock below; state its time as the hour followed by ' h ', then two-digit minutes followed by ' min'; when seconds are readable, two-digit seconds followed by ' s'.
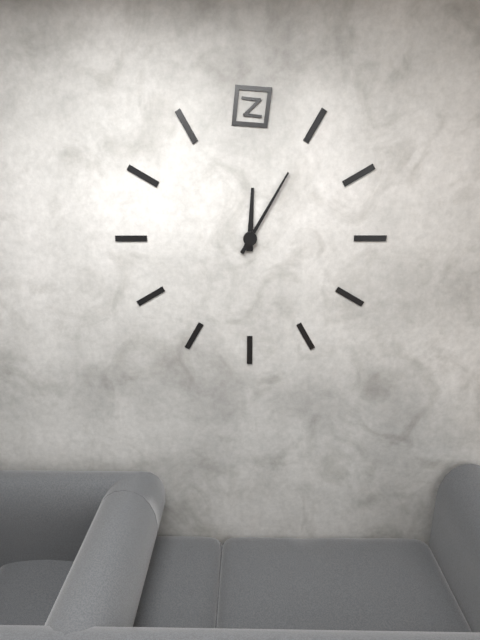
12 h 05 min
